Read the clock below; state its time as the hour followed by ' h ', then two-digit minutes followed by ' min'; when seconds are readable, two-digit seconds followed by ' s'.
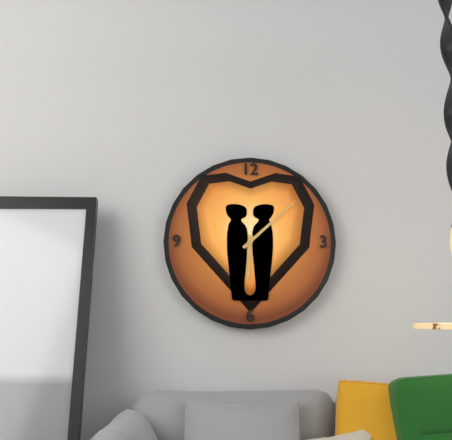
6 h 08 min
